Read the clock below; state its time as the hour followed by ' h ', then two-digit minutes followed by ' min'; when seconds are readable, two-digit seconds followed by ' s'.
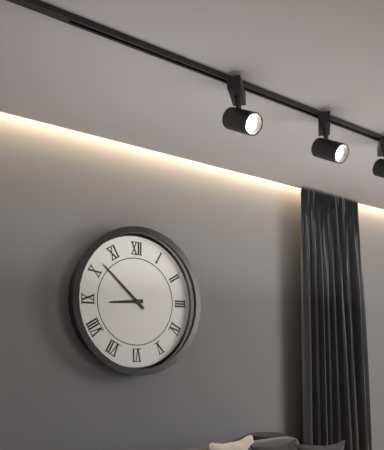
8 h 52 min
